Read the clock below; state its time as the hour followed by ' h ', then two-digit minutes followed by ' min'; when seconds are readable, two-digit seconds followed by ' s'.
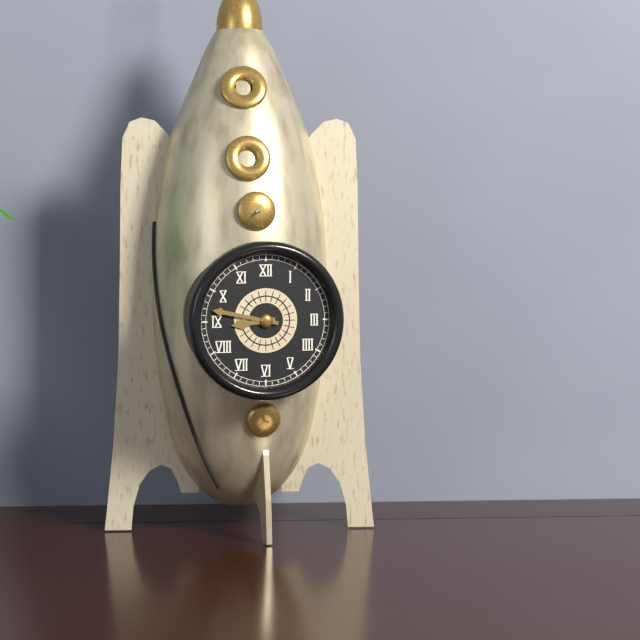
8 h 47 min
